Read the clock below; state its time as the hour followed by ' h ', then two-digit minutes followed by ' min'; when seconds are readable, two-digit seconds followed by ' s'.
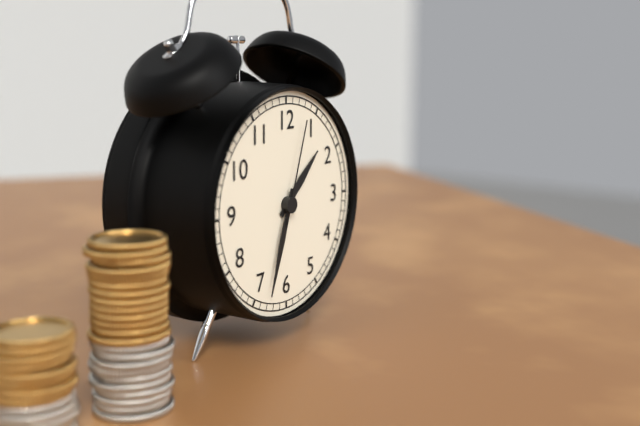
1 h 33 min 03 s
